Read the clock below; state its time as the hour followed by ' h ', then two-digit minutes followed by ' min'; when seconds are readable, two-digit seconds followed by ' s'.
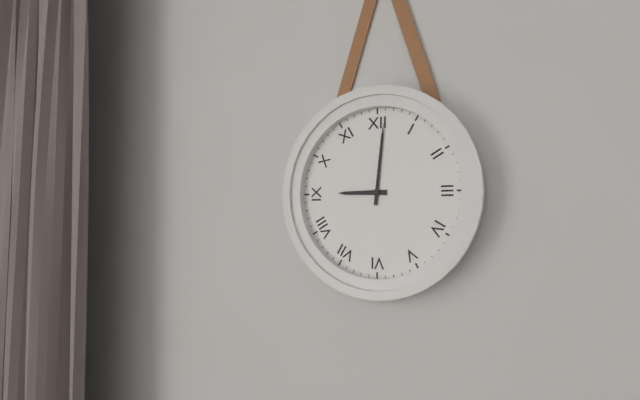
9 h 01 min
